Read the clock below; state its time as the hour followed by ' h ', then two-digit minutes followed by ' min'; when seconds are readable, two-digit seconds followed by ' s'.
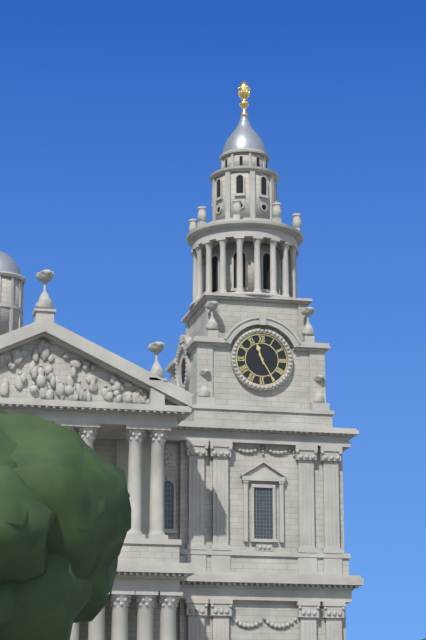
11 h 25 min
